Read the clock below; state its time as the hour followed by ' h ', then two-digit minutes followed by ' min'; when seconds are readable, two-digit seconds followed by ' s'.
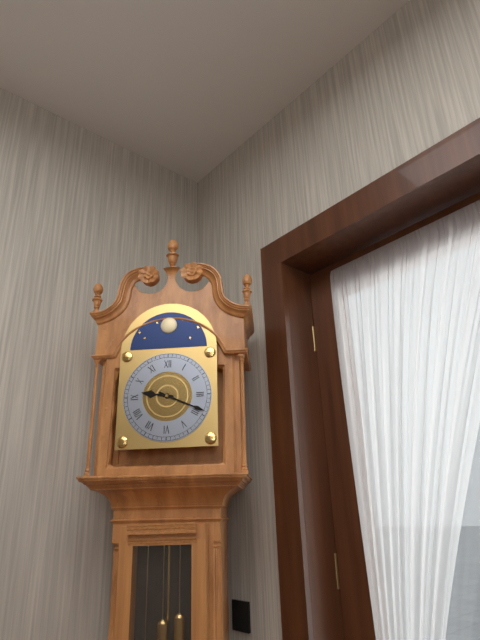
9 h 19 min
